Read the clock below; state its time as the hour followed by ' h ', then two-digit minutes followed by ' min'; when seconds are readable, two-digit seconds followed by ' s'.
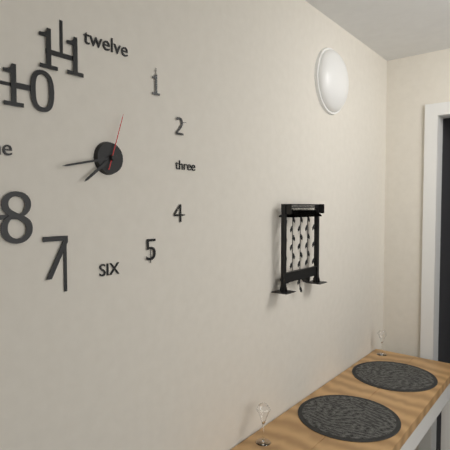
7 h 43 min 03 s
